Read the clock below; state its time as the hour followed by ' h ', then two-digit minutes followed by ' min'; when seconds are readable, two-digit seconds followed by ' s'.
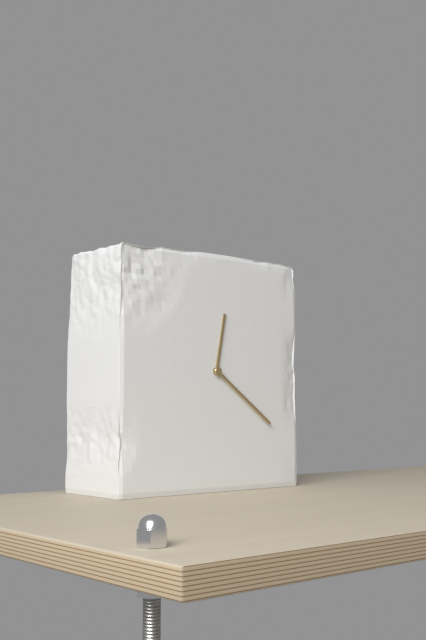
12 h 21 min
